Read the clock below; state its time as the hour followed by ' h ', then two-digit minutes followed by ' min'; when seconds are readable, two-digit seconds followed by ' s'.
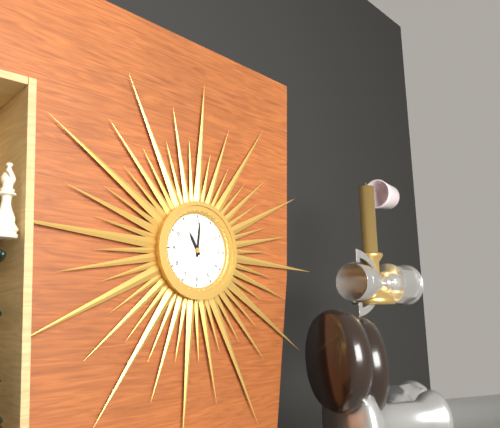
11 h 01 min
